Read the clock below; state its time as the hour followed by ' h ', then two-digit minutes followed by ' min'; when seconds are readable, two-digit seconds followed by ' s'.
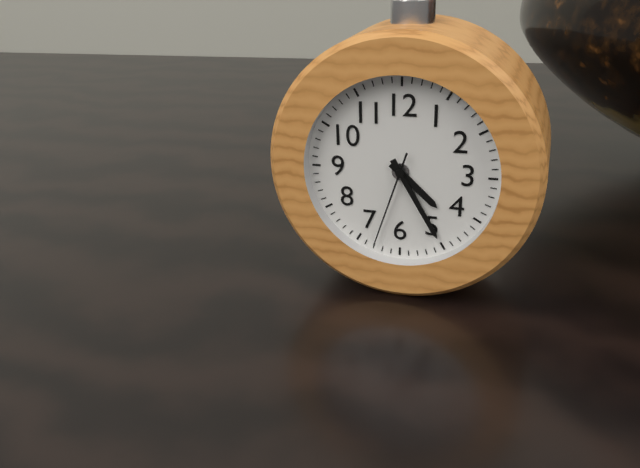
4 h 25 min 33 s
